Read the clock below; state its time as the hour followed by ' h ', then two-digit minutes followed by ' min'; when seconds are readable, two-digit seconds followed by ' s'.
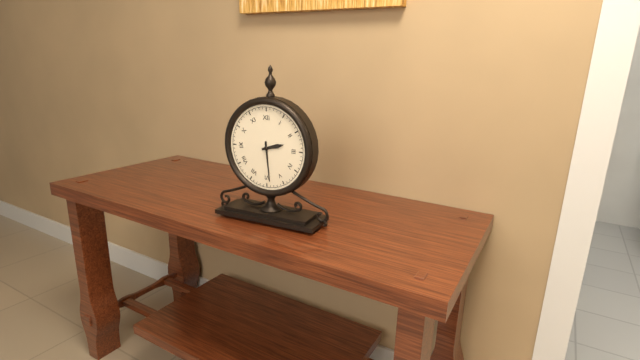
2 h 29 min
